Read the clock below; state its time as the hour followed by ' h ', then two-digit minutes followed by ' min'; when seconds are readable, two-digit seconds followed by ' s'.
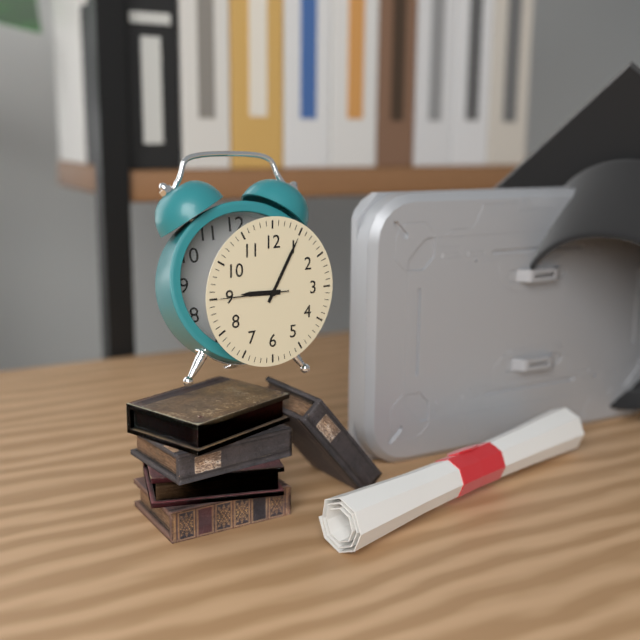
9 h 05 min 45 s
